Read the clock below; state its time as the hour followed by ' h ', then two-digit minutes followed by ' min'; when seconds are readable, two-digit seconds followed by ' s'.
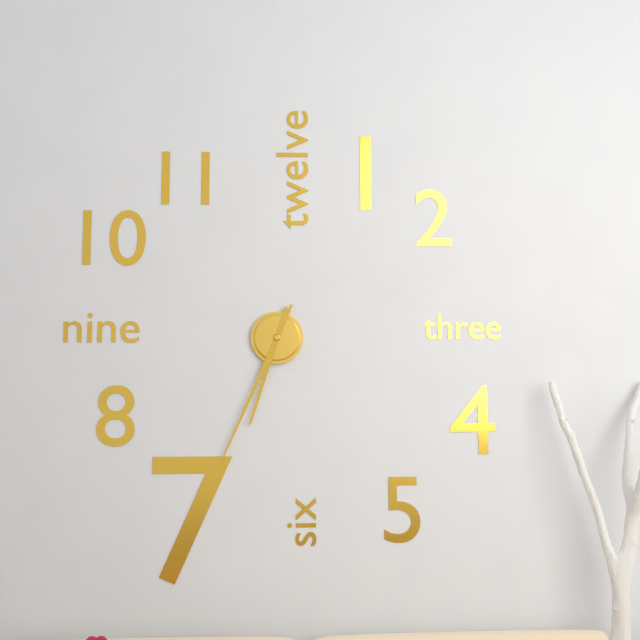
6 h 34 min
